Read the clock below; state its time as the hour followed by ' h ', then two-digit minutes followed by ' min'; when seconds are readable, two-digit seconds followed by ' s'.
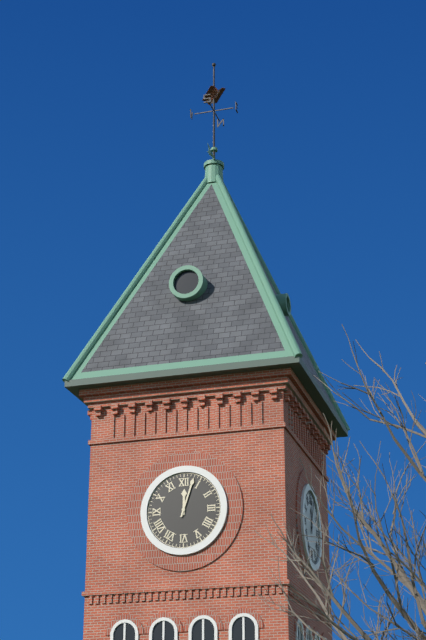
12 h 03 min
